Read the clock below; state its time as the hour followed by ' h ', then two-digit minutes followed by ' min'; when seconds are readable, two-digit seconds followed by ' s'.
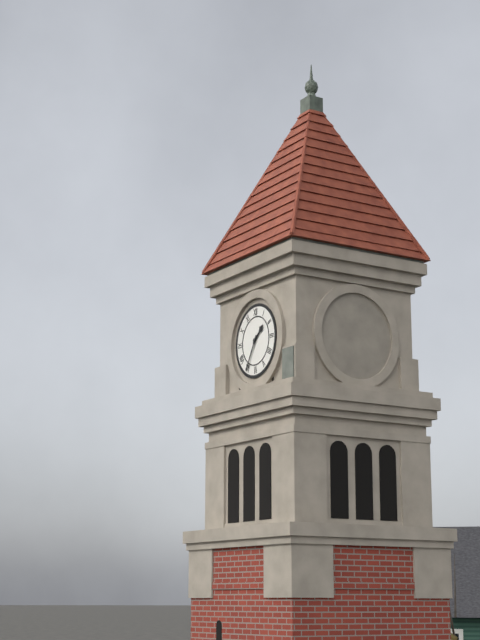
1 h 35 min
